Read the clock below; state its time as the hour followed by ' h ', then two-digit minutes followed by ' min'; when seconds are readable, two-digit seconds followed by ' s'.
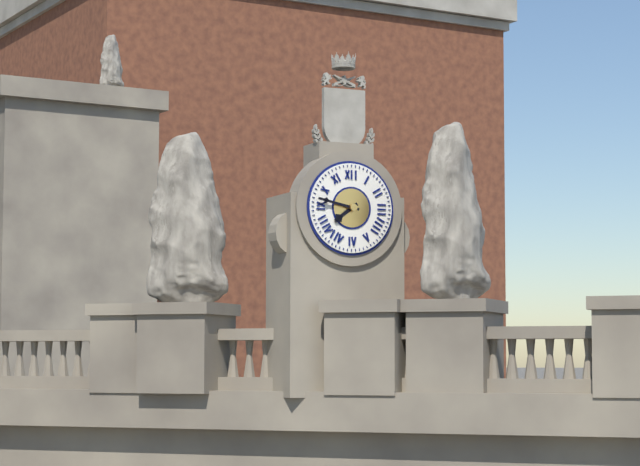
7 h 47 min
